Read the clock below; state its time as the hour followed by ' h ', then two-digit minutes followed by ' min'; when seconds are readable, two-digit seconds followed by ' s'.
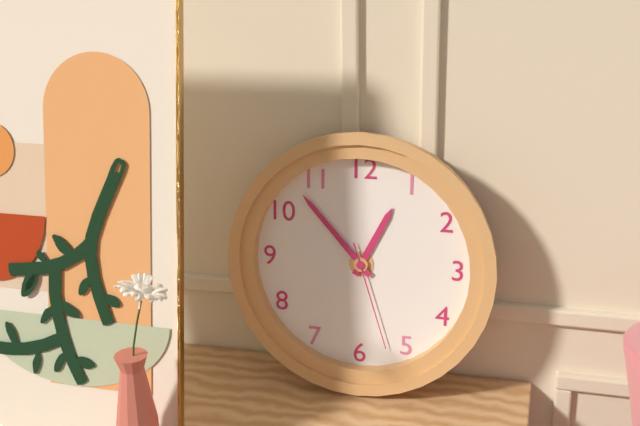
12 h 53 min 27 s
